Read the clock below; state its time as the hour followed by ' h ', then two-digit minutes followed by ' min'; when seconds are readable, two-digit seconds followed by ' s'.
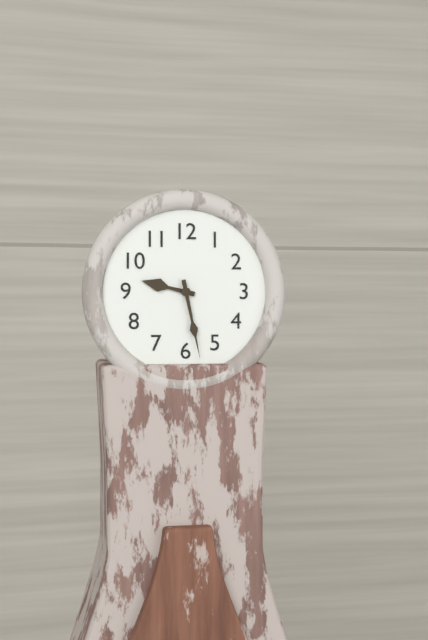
9 h 28 min
